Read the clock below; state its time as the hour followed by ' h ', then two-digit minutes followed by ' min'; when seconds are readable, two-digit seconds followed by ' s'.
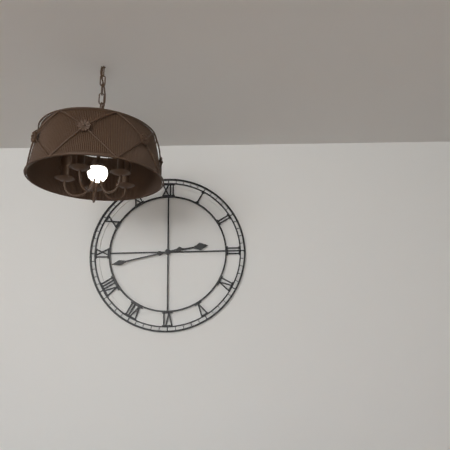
2 h 43 min
